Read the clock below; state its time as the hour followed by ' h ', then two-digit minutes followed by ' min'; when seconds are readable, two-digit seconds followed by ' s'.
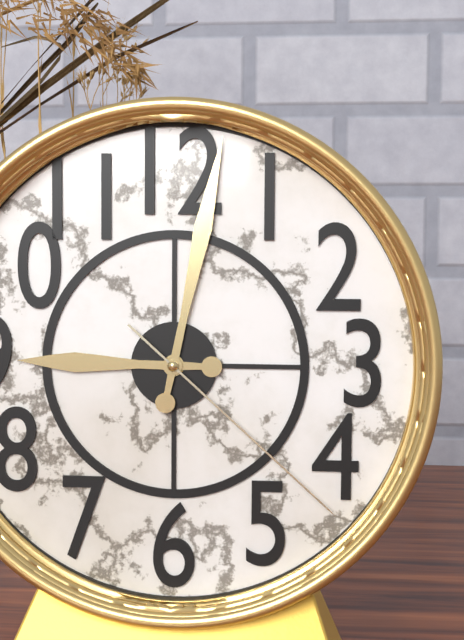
9 h 02 min 22 s
